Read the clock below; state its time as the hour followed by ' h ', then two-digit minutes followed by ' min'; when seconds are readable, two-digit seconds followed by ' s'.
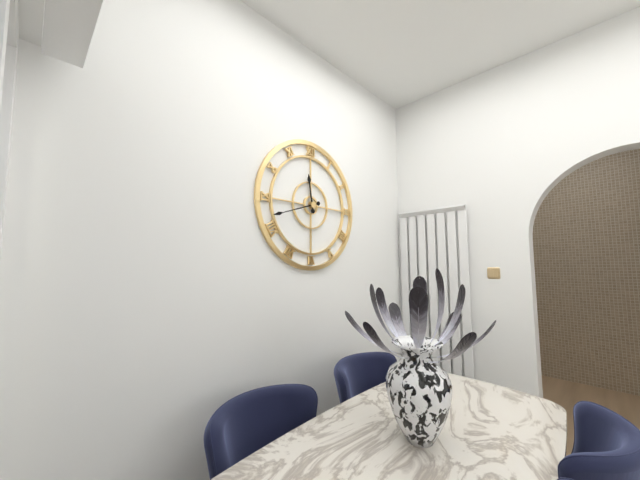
11 h 42 min
